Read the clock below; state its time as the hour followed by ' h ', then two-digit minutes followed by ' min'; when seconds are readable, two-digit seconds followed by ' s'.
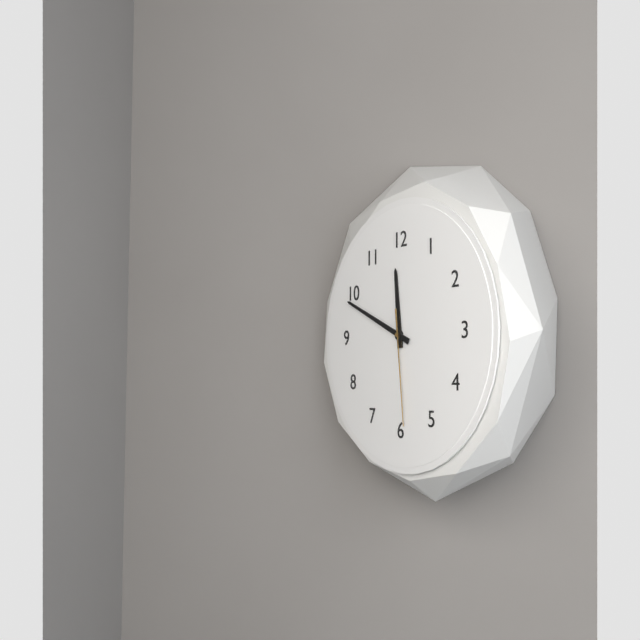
11 h 49 min 29 s
